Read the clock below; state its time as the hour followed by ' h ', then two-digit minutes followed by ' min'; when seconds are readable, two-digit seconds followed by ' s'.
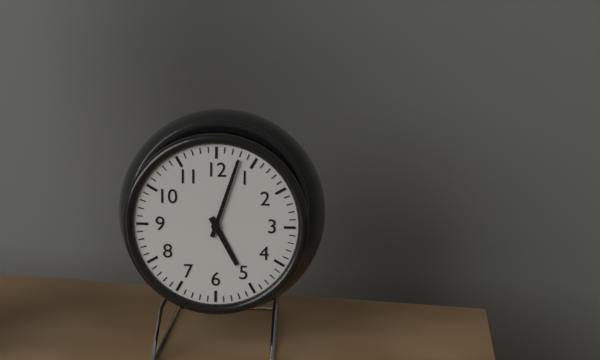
5 h 03 min
